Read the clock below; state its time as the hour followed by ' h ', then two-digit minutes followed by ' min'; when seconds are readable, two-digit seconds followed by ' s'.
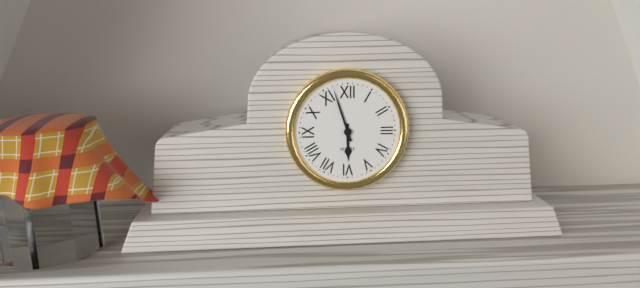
5 h 57 min
